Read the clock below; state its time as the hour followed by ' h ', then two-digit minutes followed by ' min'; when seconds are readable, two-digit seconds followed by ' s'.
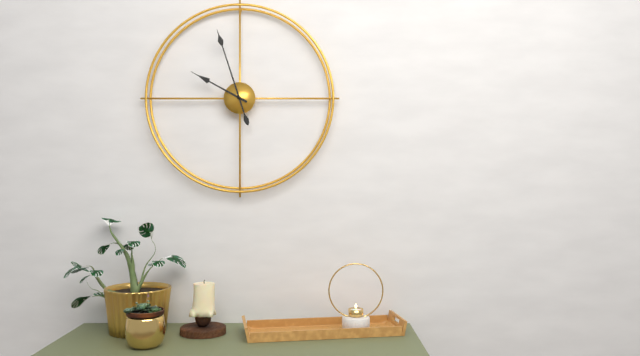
9 h 57 min
